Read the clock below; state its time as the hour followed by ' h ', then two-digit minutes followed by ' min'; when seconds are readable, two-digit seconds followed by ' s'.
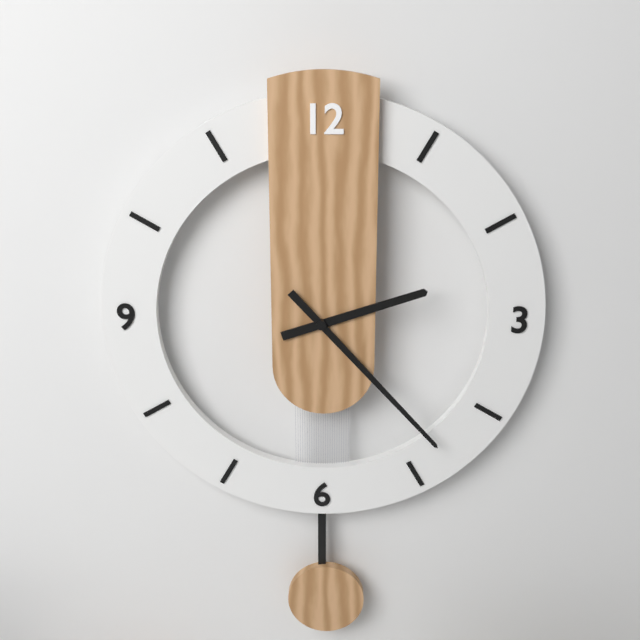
2 h 23 min
